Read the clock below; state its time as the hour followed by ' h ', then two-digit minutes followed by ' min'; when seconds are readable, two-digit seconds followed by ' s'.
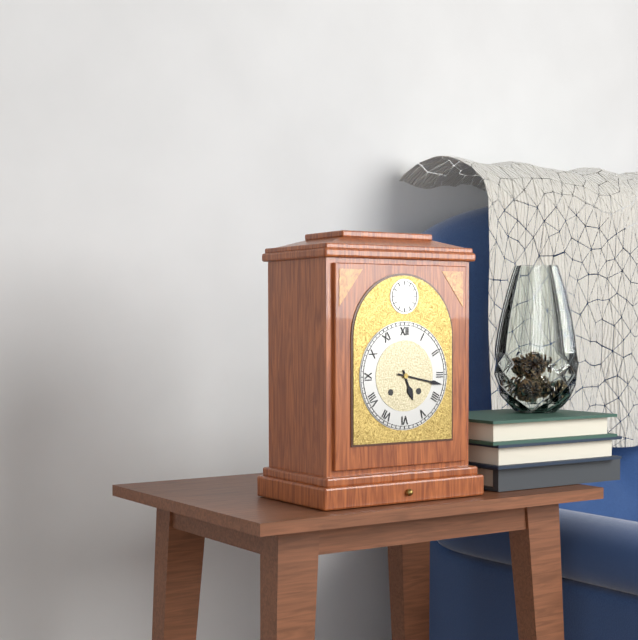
5 h 17 min
